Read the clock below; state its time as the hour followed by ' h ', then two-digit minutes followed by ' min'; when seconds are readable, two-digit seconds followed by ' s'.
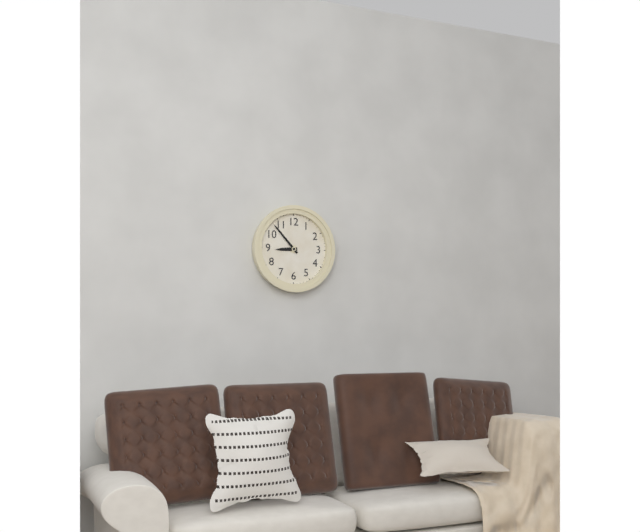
8 h 53 min
